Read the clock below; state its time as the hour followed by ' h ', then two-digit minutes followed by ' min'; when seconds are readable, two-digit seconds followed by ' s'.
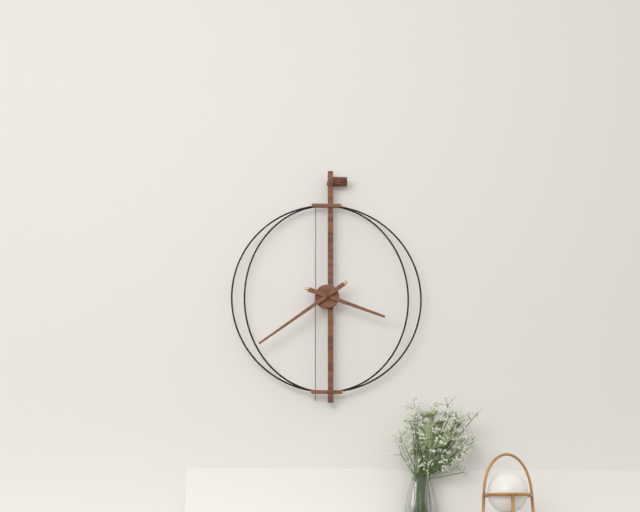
3 h 39 min
